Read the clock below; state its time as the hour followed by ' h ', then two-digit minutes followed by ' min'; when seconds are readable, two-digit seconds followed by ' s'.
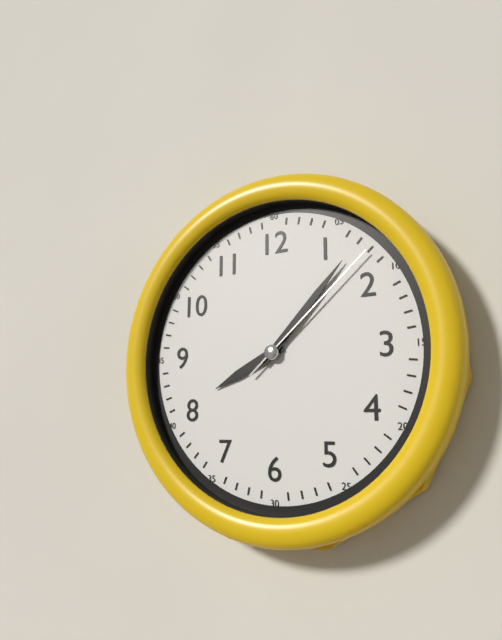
8 h 07 min 08 s
